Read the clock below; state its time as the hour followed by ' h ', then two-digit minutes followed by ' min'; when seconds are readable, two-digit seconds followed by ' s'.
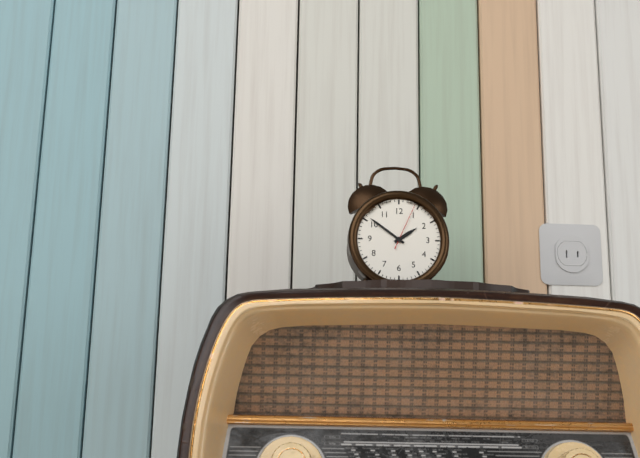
1 h 51 min
